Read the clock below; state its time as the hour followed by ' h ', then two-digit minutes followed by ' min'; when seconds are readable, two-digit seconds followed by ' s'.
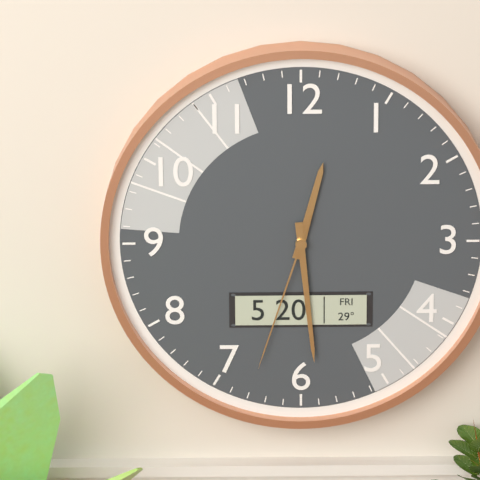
12 h 29 min 33 s
